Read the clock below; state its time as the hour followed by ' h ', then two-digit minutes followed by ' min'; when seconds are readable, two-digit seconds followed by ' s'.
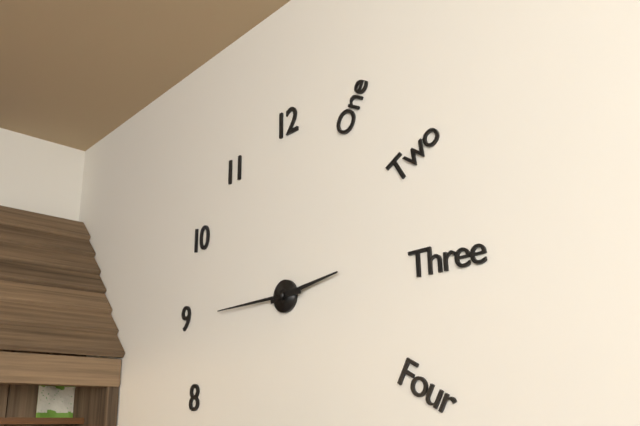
2 h 45 min
